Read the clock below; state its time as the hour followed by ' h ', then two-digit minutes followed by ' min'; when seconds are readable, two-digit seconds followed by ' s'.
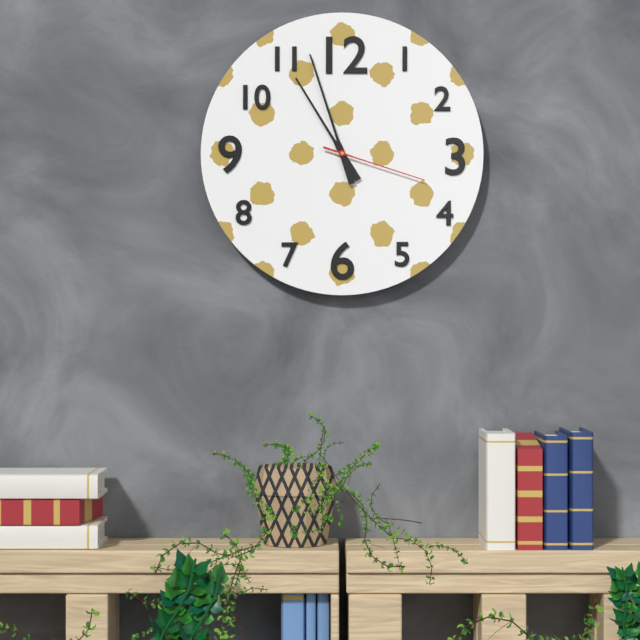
10 h 57 min 18 s
